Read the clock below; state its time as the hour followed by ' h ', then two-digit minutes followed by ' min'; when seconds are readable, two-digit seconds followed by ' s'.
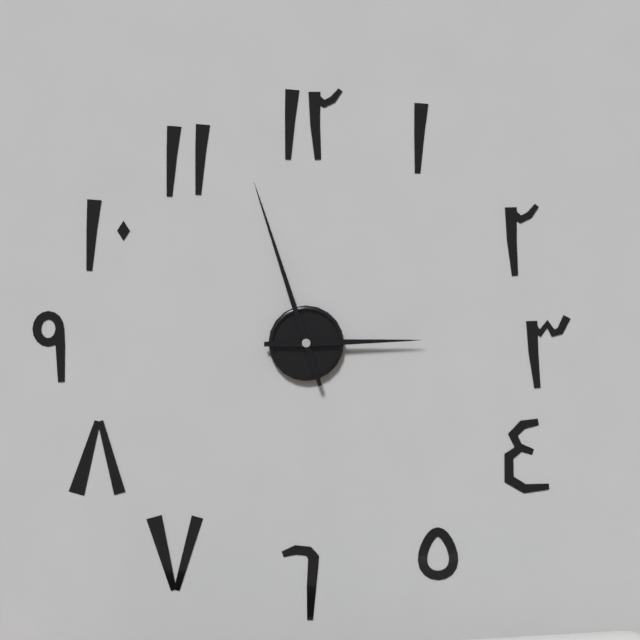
2 h 57 min
